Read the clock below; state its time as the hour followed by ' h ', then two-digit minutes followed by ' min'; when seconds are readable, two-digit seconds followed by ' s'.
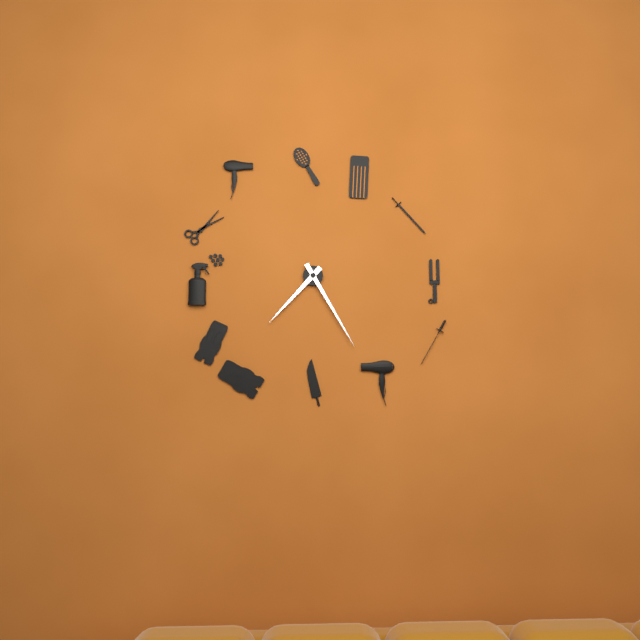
7 h 25 min
